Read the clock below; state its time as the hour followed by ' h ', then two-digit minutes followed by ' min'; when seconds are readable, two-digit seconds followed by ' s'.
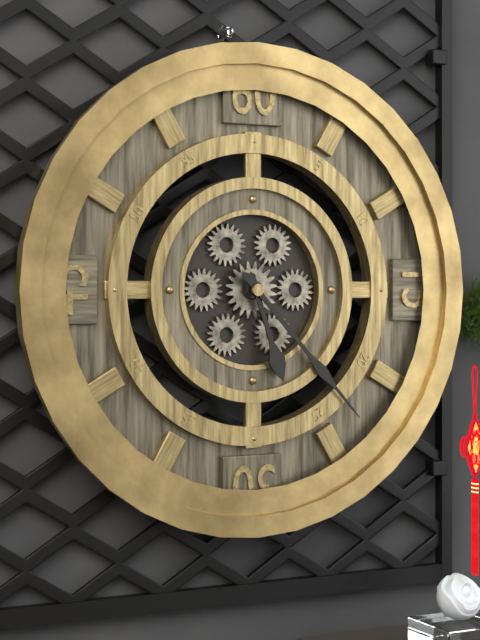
5 h 23 min
